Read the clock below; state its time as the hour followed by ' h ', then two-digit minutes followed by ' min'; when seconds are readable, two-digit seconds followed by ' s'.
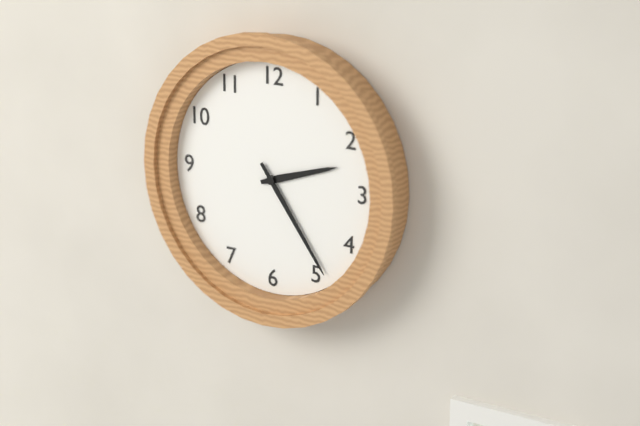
2 h 24 min
